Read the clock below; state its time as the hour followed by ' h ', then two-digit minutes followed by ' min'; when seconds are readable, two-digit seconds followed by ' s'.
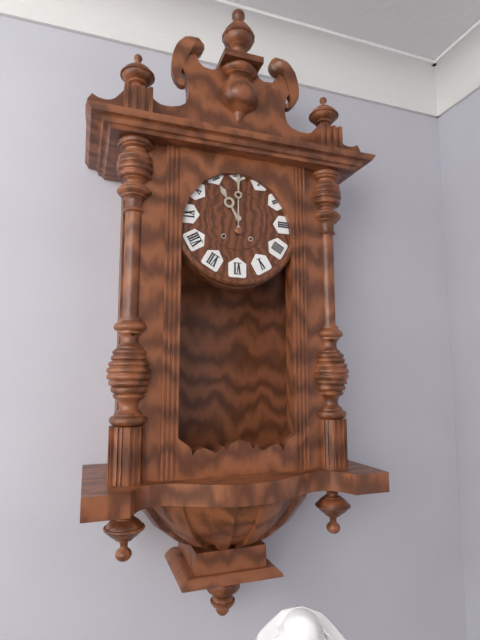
11 h 00 min
